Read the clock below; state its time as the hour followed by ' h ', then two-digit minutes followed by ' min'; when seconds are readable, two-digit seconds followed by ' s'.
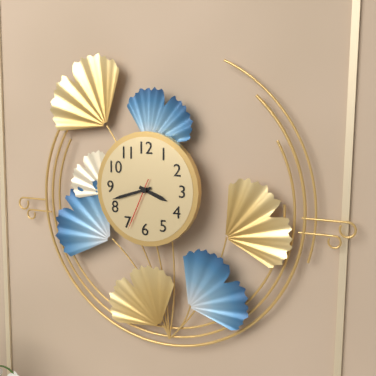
3 h 42 min 34 s
